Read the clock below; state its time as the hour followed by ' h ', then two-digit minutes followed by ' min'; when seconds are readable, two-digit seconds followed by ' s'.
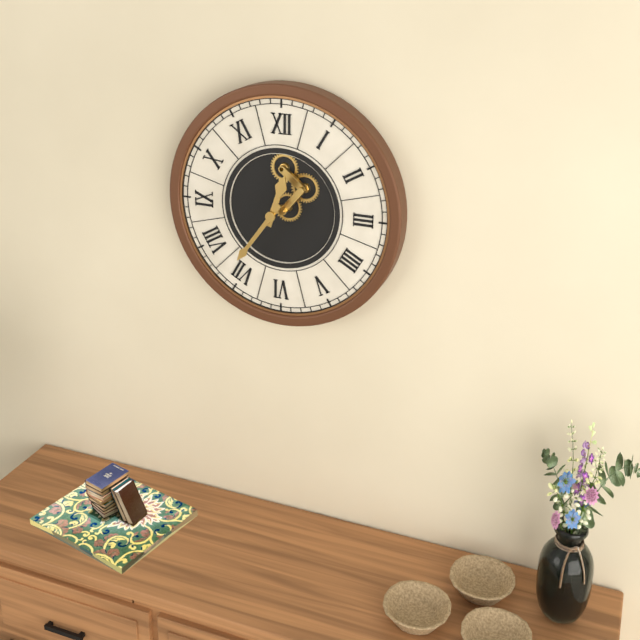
12 h 36 min
